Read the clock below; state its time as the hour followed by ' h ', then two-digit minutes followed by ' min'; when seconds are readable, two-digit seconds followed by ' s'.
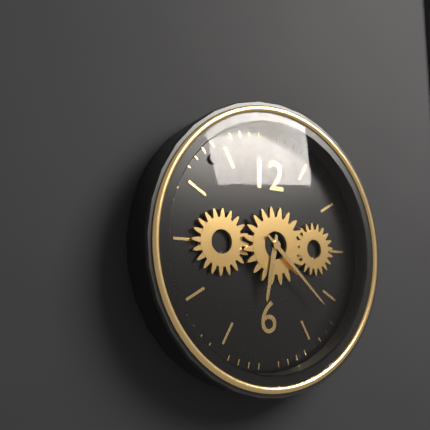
6 h 22 min
